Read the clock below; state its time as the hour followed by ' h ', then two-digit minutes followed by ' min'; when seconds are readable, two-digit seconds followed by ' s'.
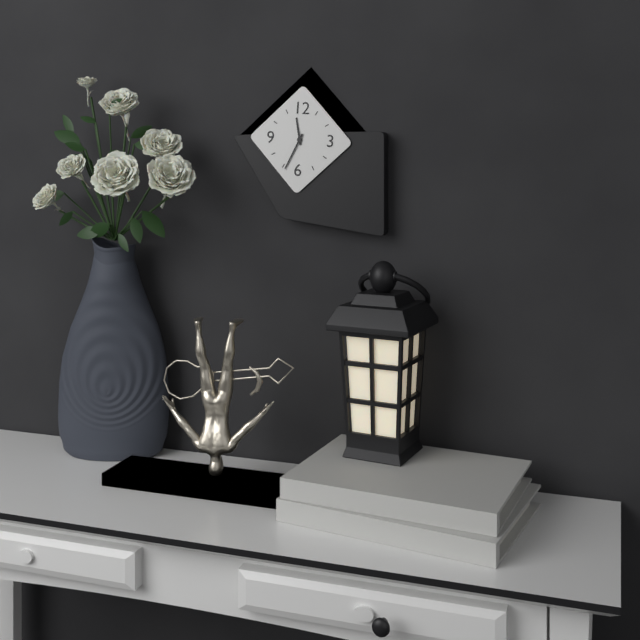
11 h 34 min
